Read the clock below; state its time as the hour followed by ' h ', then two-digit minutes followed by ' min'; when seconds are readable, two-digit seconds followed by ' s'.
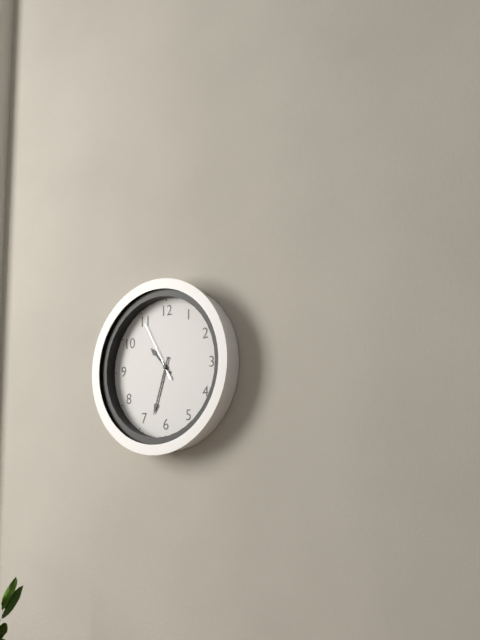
10 h 33 min 55 s
